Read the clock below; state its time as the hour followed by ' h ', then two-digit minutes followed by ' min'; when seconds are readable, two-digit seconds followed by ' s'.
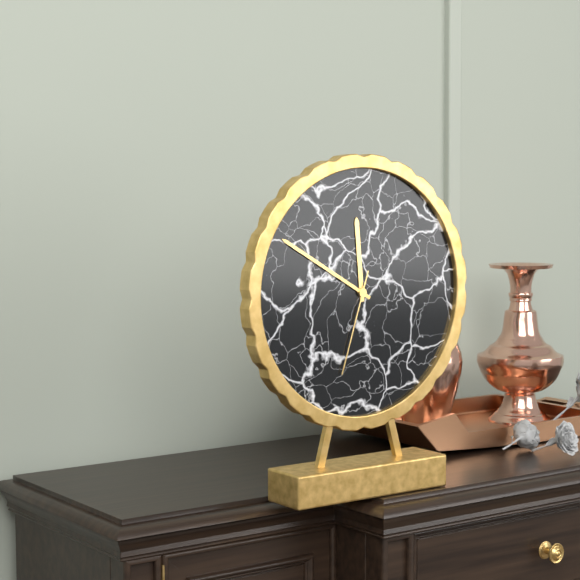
11 h 50 min 33 s
